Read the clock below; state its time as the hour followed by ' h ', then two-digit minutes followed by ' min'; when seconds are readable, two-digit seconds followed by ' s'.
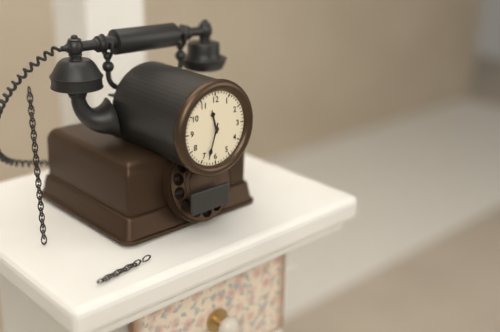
11 h 33 min
